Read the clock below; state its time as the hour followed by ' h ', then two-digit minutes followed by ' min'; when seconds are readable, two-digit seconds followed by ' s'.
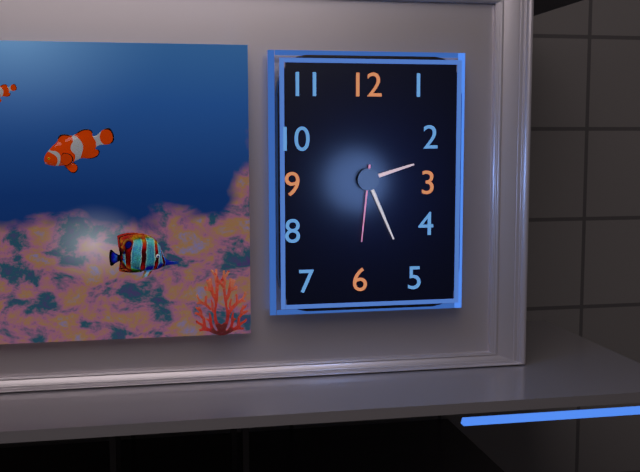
2 h 26 min 31 s
